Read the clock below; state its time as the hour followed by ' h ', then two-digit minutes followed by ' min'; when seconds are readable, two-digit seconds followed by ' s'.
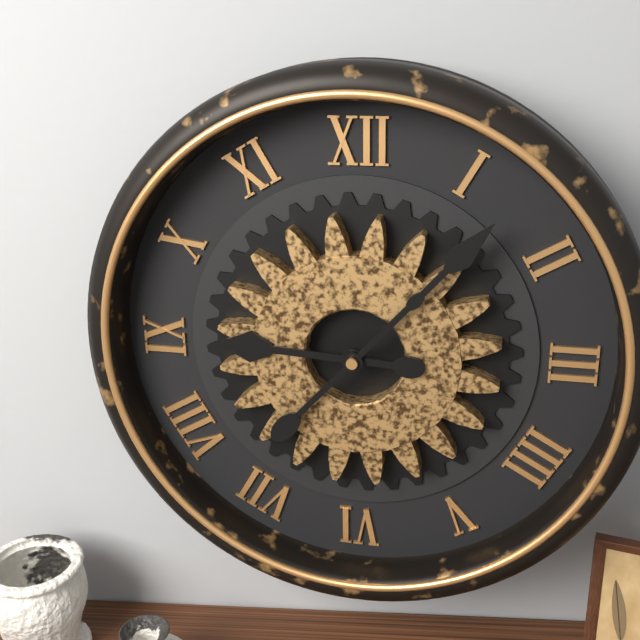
9 h 07 min
